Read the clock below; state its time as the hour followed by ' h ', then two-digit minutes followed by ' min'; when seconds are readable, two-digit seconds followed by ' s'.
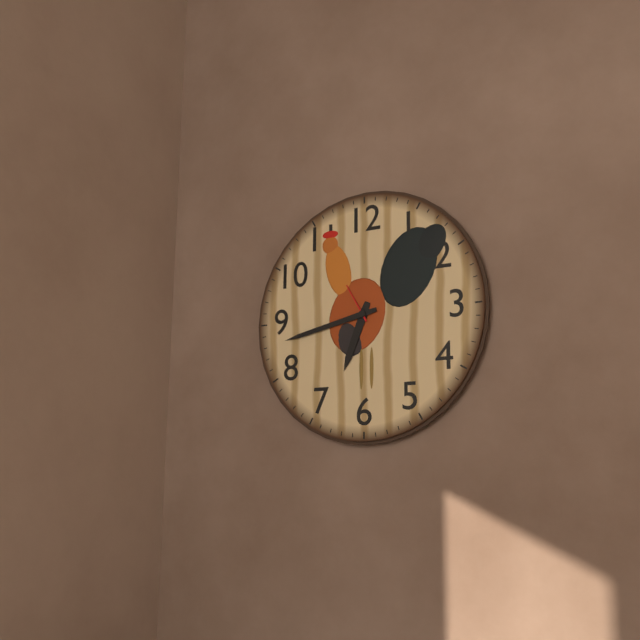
6 h 43 min 55 s
